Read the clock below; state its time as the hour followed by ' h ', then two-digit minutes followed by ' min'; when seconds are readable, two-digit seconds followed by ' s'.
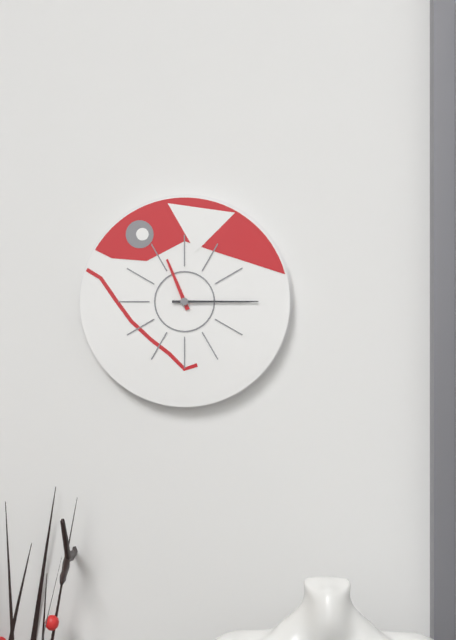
11 h 15 min
